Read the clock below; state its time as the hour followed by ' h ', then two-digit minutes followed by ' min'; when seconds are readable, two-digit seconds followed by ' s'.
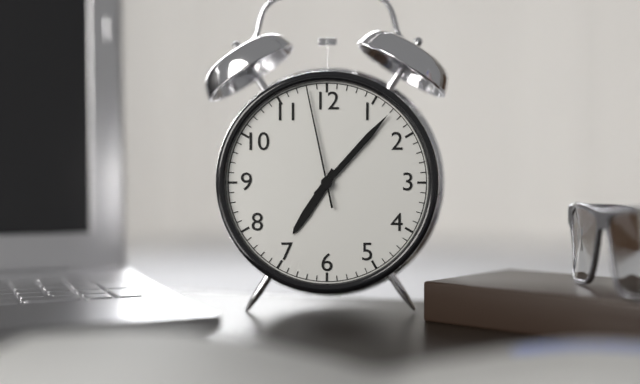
7 h 07 min 58 s
